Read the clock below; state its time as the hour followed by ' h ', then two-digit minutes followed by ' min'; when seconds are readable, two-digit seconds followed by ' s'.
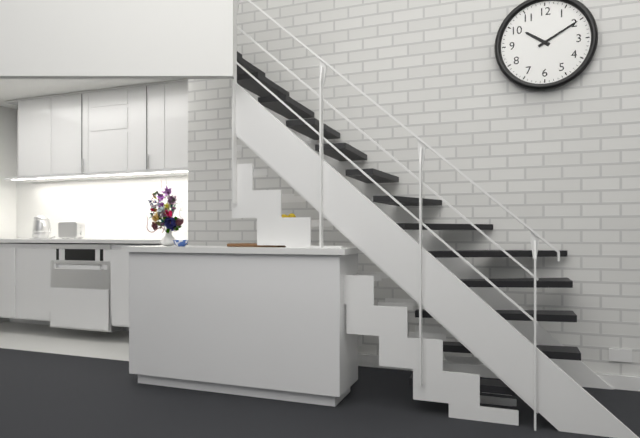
10 h 10 min
